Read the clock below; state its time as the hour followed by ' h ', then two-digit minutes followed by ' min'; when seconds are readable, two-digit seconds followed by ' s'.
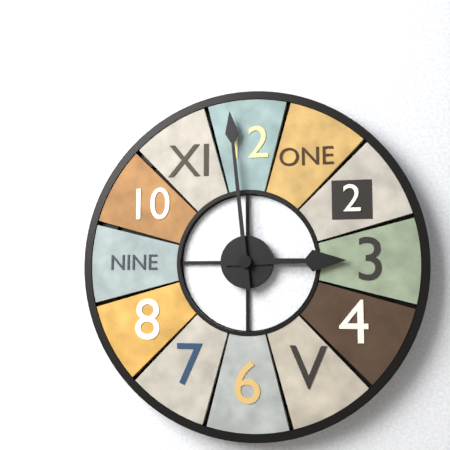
2 h 59 min
